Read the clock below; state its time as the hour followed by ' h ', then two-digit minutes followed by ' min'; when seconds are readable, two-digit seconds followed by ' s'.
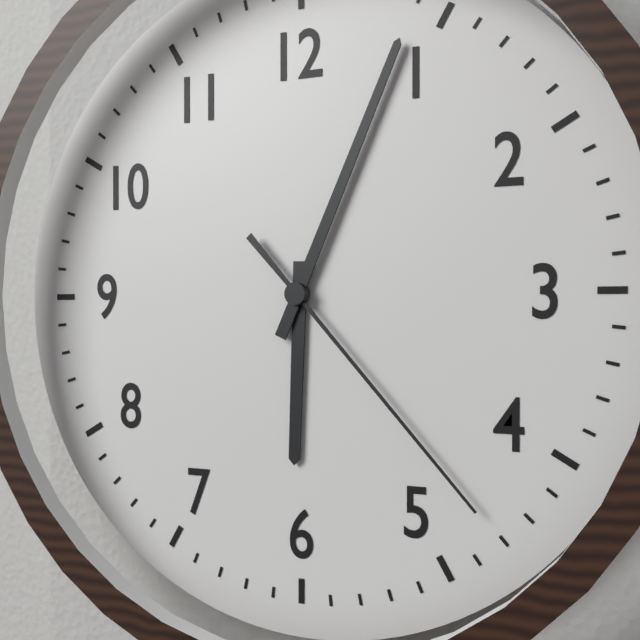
6 h 04 min 23 s
